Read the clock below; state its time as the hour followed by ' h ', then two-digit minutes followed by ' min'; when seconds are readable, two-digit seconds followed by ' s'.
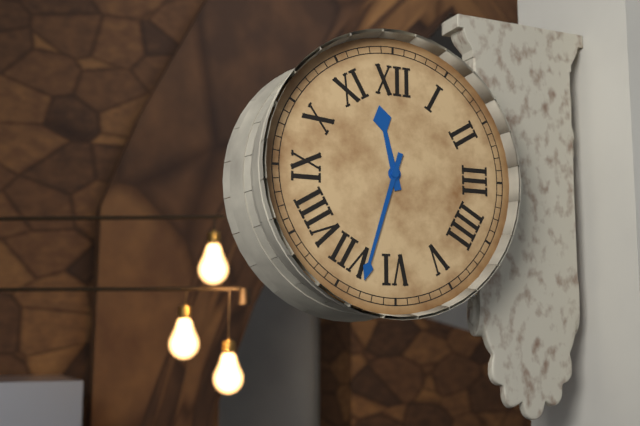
11 h 33 min
